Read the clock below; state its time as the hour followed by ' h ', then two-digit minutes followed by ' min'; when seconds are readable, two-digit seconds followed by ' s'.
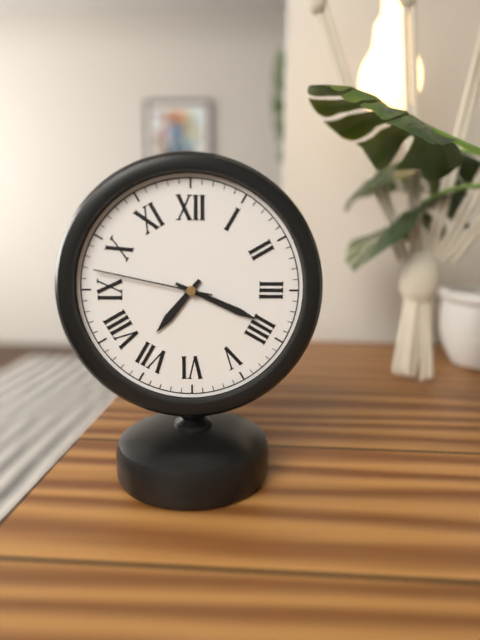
7 h 19 min 47 s
